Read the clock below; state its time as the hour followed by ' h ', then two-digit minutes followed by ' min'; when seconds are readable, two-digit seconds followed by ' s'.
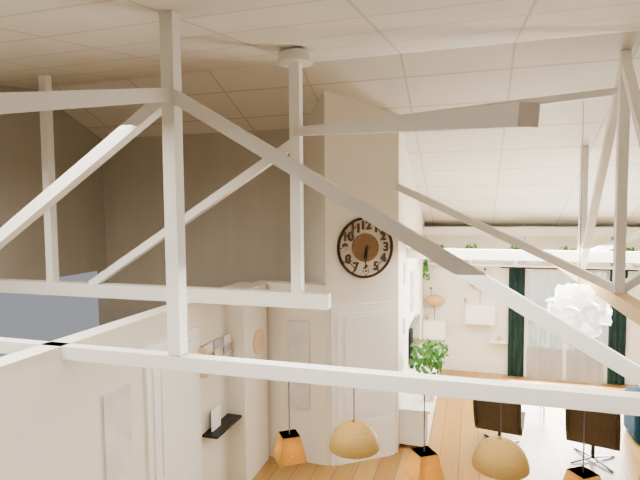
6 h 31 min
